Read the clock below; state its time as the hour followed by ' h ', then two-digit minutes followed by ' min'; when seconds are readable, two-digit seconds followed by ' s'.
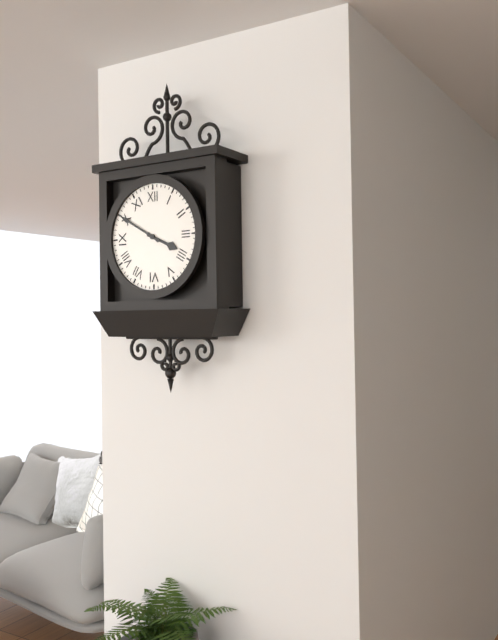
3 h 50 min
